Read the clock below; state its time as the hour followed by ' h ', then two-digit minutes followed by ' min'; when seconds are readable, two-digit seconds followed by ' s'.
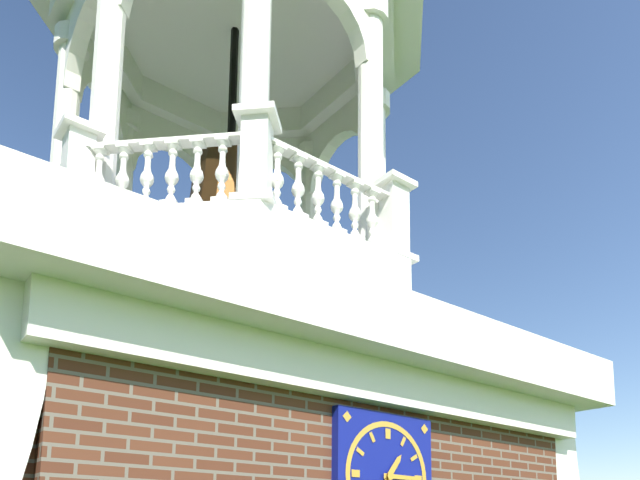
1 h 15 min
